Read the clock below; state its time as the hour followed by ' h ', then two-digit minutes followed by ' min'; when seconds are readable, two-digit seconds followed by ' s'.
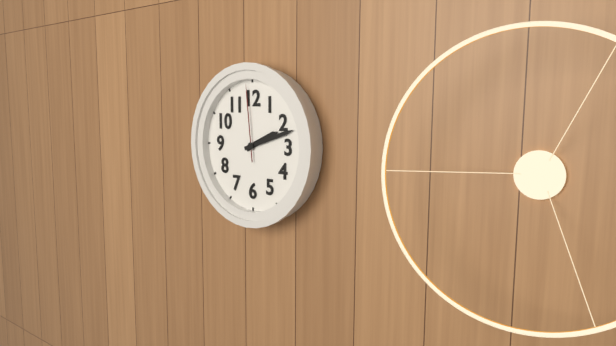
2 h 12 min 59 s
